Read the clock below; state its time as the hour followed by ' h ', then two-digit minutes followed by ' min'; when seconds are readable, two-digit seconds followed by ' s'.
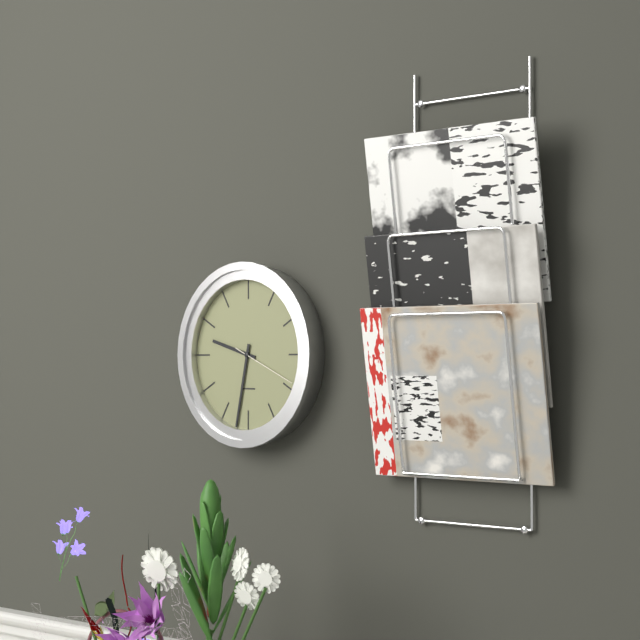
9 h 32 min 19 s
